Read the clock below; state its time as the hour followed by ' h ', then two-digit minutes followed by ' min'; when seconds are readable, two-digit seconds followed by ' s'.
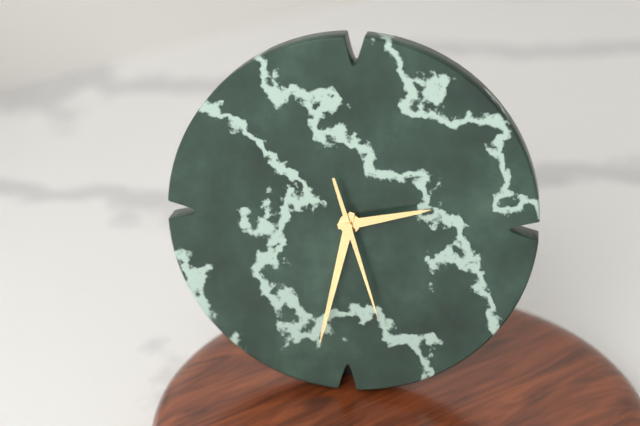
2 h 32 min 27 s
